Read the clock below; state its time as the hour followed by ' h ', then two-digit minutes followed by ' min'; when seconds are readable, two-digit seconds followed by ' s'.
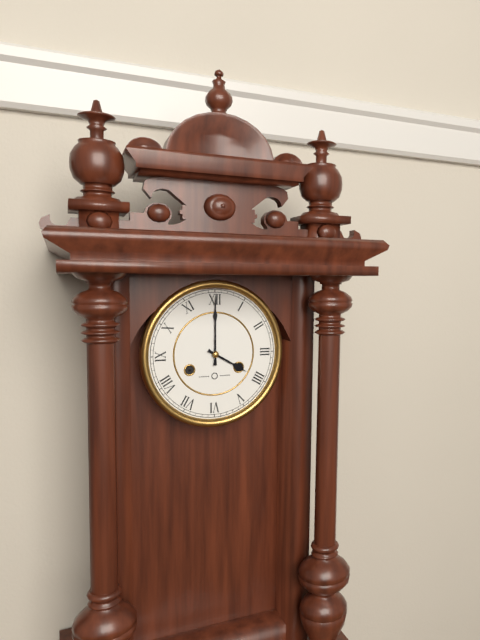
4 h 00 min
